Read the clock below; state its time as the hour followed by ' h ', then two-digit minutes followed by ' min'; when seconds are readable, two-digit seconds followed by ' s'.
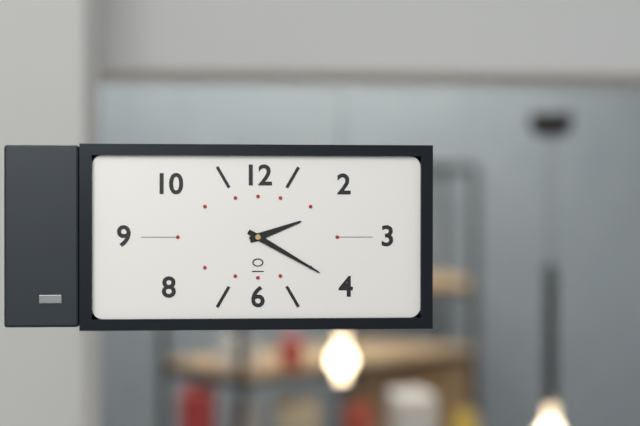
2 h 20 min
